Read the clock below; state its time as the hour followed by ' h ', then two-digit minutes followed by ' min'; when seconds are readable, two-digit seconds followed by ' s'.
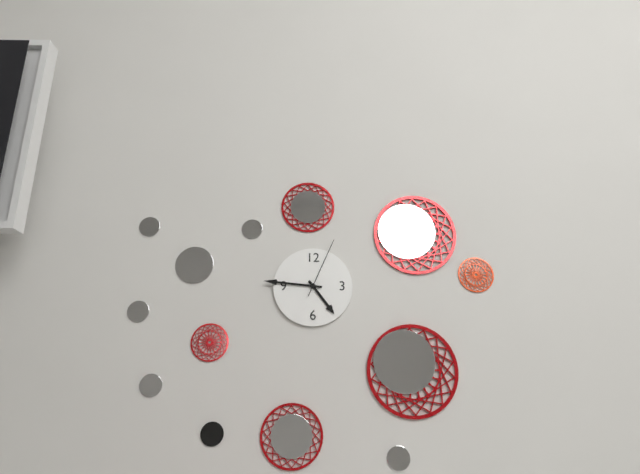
4 h 46 min 04 s
